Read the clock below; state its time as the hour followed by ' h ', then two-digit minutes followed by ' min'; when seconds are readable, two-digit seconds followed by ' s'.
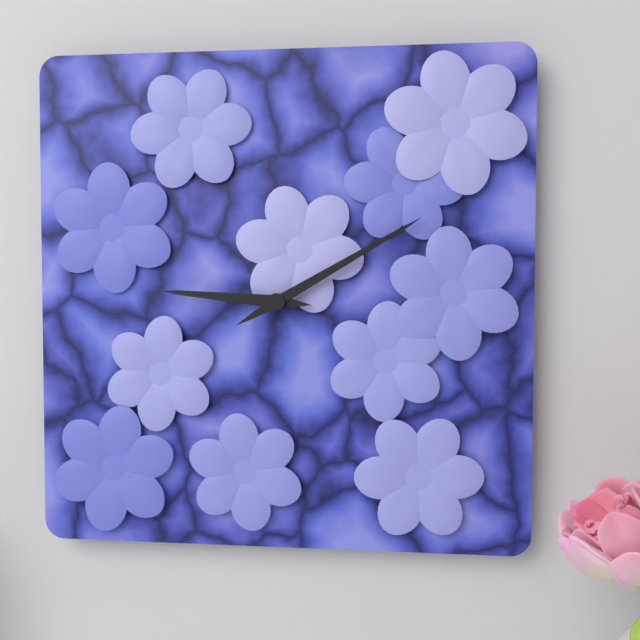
9 h 10 min
